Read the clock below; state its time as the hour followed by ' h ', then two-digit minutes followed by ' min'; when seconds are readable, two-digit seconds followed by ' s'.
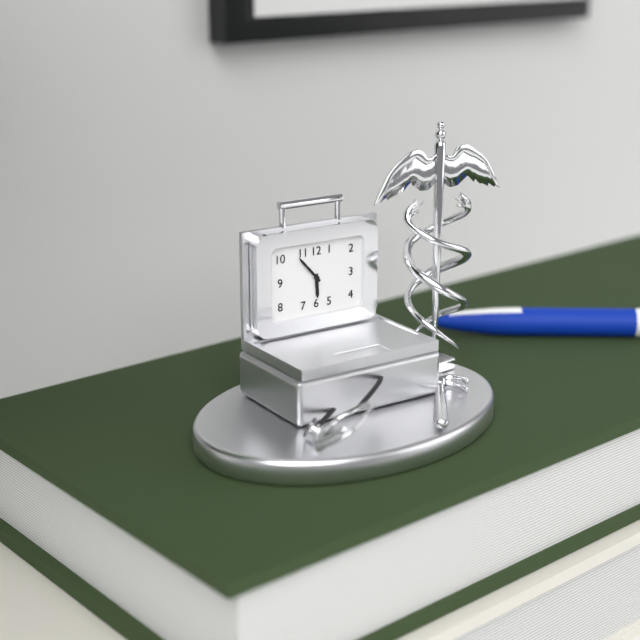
5 h 53 min
